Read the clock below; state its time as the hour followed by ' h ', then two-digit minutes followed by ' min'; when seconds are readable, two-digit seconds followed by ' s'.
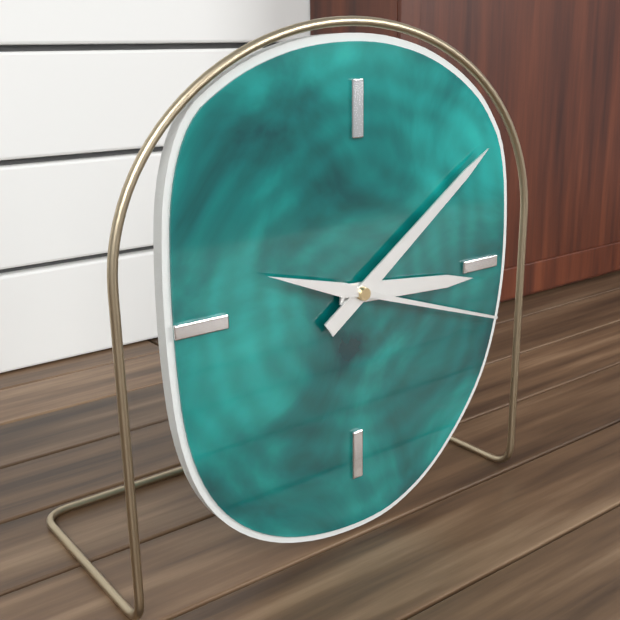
3 h 09 min 18 s
